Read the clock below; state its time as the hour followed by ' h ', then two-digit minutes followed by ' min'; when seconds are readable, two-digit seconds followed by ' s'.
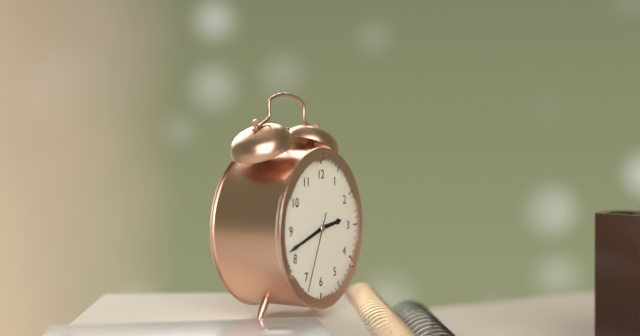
2 h 42 min 34 s
